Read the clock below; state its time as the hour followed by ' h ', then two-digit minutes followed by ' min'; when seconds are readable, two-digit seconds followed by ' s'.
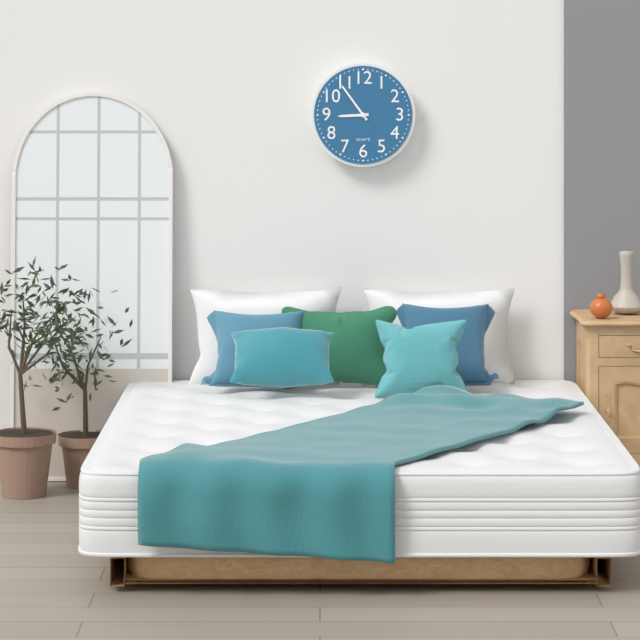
8 h 54 min
